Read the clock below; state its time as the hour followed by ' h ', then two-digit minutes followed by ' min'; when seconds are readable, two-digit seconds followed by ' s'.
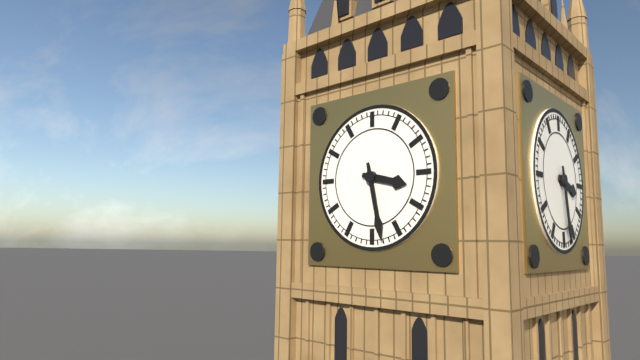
3 h 28 min
